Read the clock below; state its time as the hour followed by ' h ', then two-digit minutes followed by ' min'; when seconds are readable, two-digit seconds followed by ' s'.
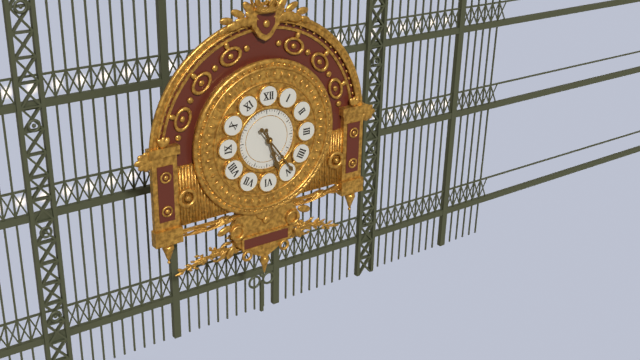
5 h 24 min
